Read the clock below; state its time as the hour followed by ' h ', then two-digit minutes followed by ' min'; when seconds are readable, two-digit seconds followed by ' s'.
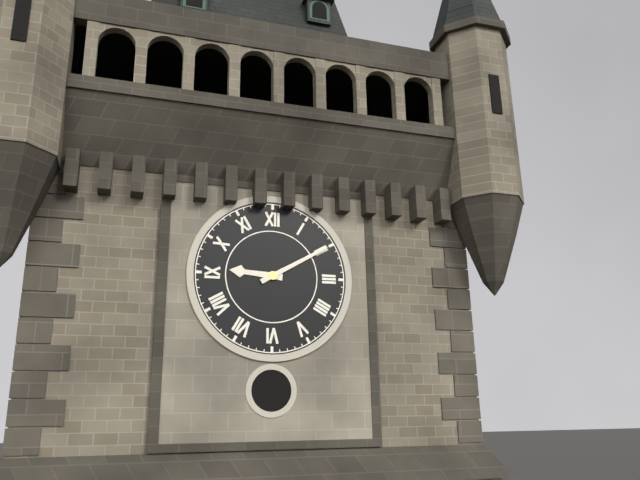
9 h 10 min
